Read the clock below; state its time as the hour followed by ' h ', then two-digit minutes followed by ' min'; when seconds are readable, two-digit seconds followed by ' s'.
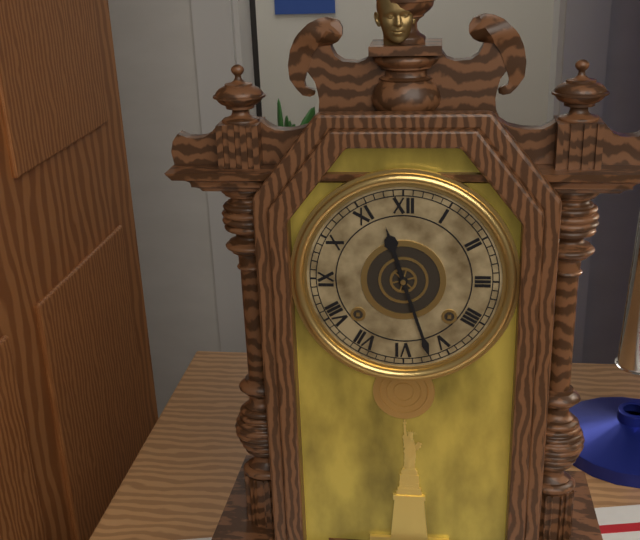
11 h 27 min
